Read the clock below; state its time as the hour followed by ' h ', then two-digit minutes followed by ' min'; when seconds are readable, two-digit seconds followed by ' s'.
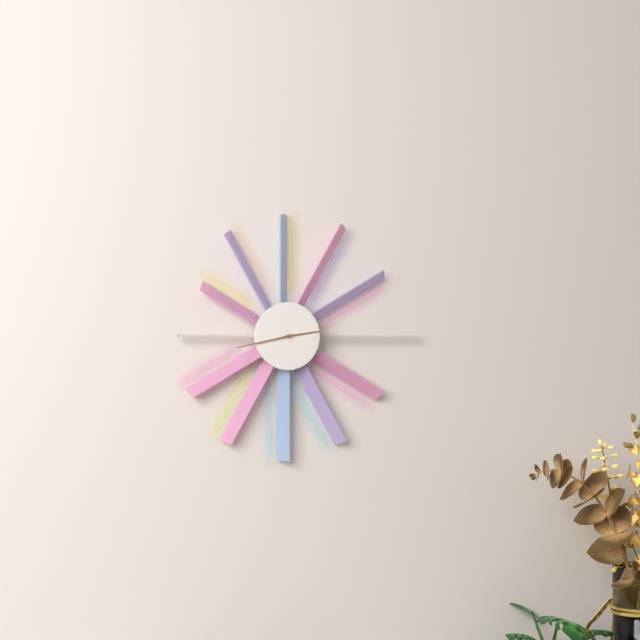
2 h 43 min
